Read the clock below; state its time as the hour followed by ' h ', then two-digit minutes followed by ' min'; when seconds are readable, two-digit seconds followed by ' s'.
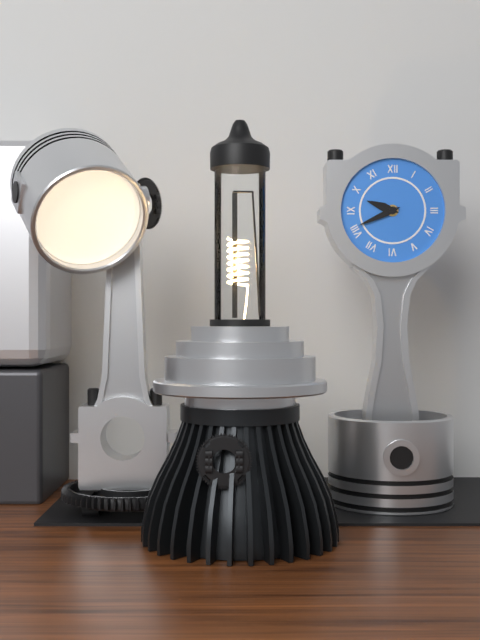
9 h 41 min
